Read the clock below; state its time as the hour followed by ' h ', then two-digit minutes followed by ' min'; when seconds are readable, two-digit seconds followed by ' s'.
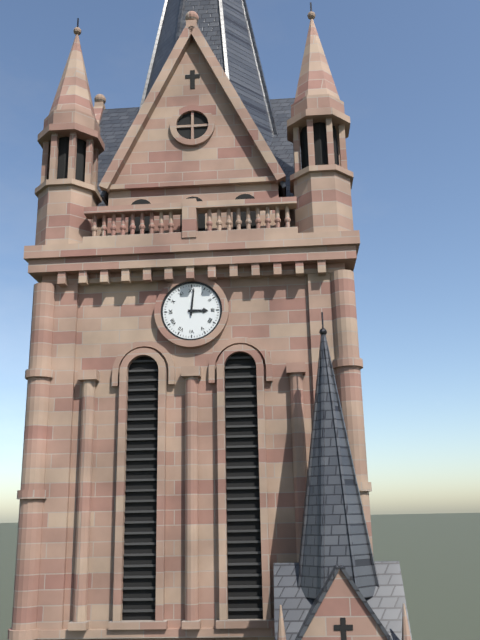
3 h 01 min
